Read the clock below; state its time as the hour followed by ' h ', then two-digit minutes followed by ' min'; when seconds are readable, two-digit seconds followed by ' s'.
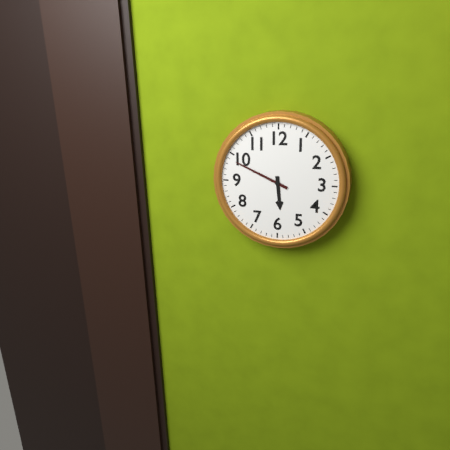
5 h 49 min
